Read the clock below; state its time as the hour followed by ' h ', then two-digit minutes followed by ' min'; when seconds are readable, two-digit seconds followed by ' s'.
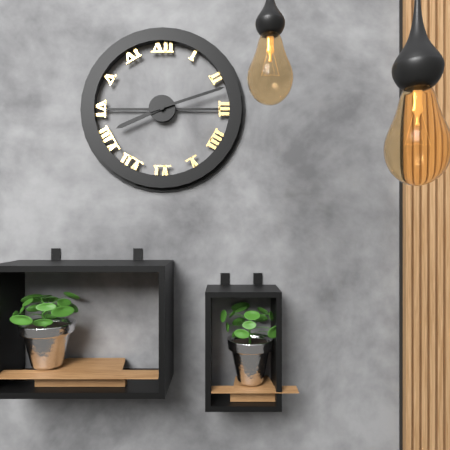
8 h 12 min
